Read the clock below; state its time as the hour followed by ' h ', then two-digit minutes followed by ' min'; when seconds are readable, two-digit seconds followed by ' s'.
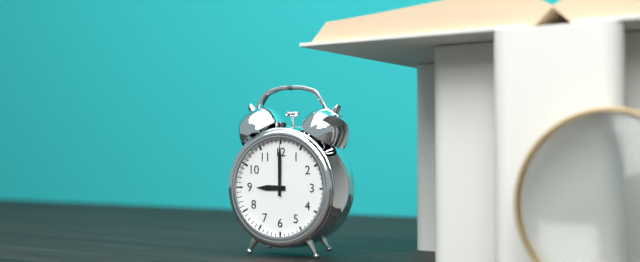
9 h 00 min
